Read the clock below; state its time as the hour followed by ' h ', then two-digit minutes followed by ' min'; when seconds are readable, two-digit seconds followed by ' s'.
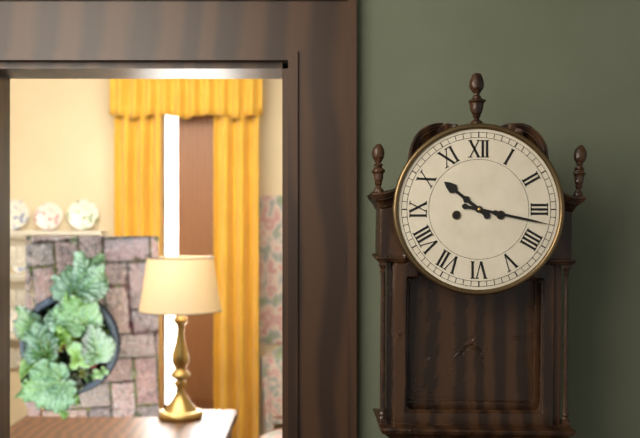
10 h 17 min
